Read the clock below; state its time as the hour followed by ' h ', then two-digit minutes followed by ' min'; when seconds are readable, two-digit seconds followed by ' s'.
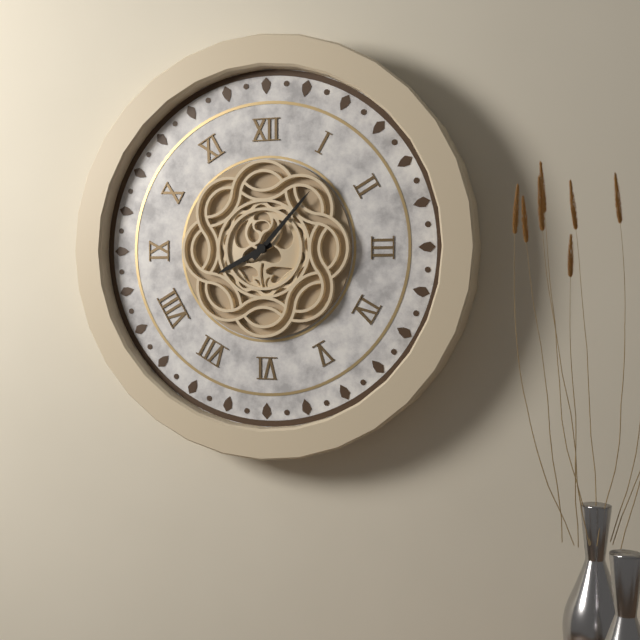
8 h 07 min
